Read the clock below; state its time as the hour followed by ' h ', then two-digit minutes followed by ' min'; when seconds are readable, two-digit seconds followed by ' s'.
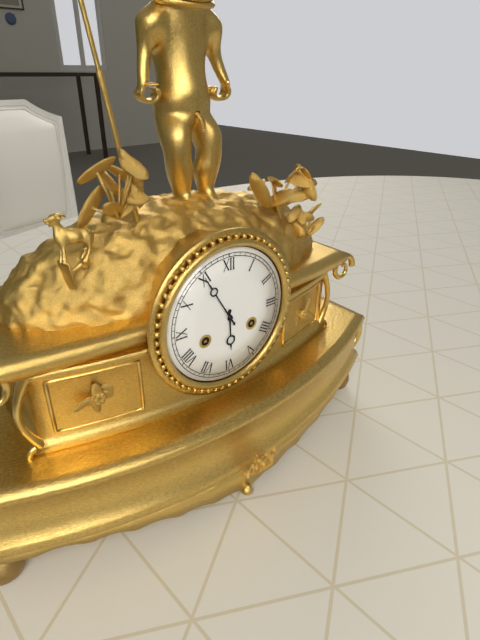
5 h 55 min
